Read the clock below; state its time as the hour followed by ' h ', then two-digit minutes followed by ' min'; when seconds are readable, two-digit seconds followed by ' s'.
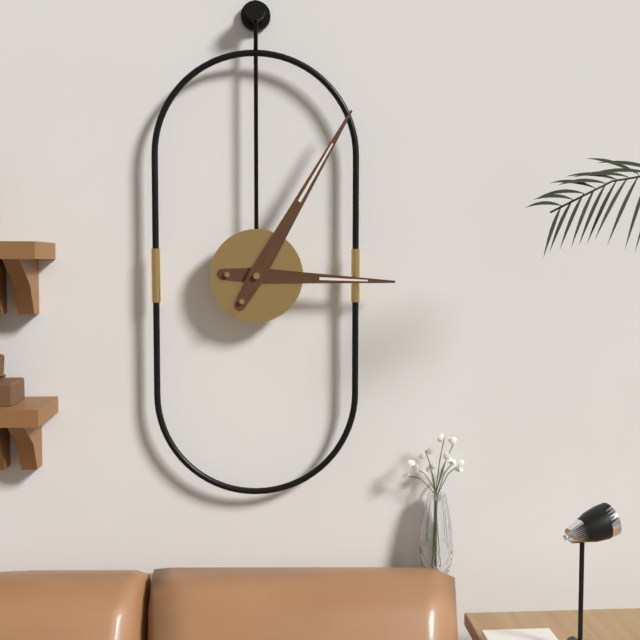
3 h 05 min
